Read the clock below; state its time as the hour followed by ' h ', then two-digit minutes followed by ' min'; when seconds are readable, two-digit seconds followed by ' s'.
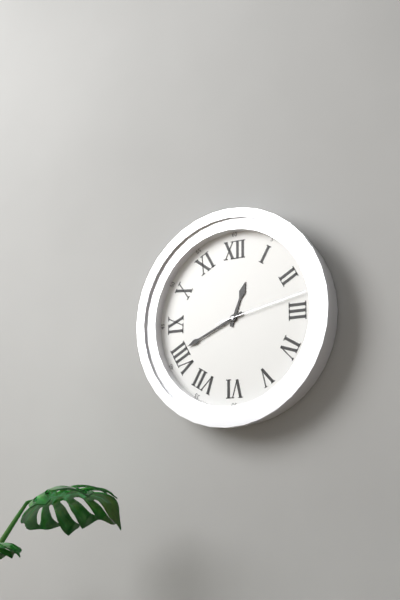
12 h 41 min 13 s
